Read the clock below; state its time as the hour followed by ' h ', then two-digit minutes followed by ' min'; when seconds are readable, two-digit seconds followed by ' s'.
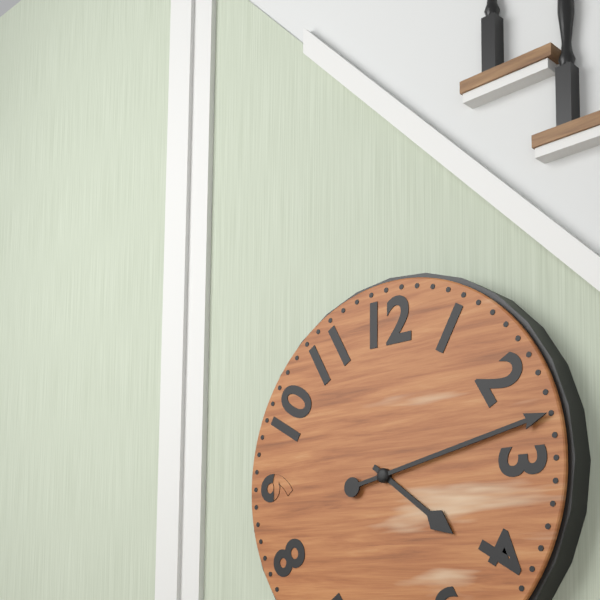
4 h 13 min
